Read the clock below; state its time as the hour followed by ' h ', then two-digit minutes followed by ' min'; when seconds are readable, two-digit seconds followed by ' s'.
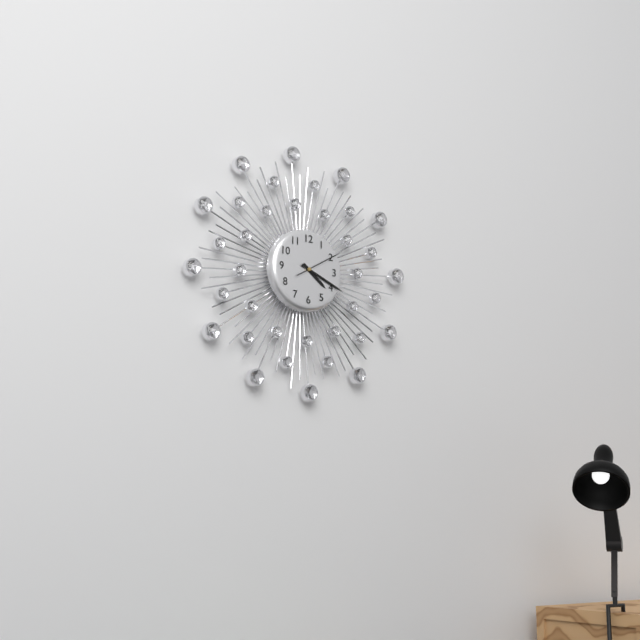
4 h 19 min
